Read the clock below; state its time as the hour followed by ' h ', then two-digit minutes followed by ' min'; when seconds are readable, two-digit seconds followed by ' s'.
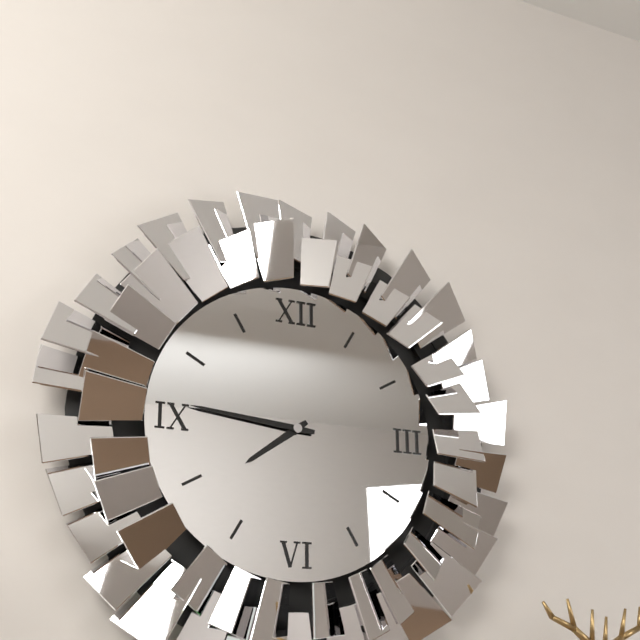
7 h 46 min
